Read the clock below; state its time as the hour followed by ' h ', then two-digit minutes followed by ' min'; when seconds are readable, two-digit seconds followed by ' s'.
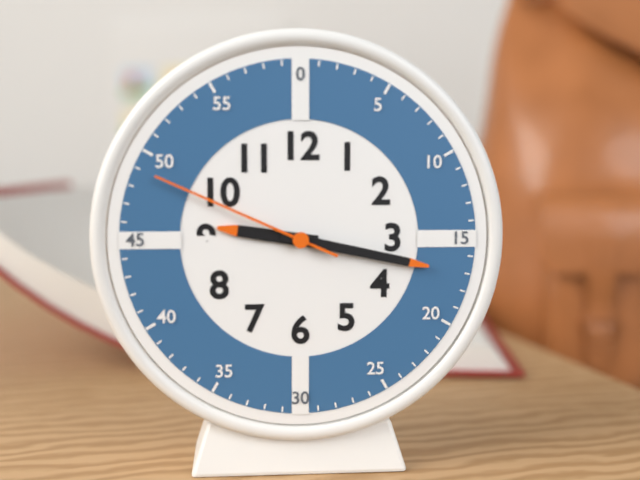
9 h 17 min 49 s
